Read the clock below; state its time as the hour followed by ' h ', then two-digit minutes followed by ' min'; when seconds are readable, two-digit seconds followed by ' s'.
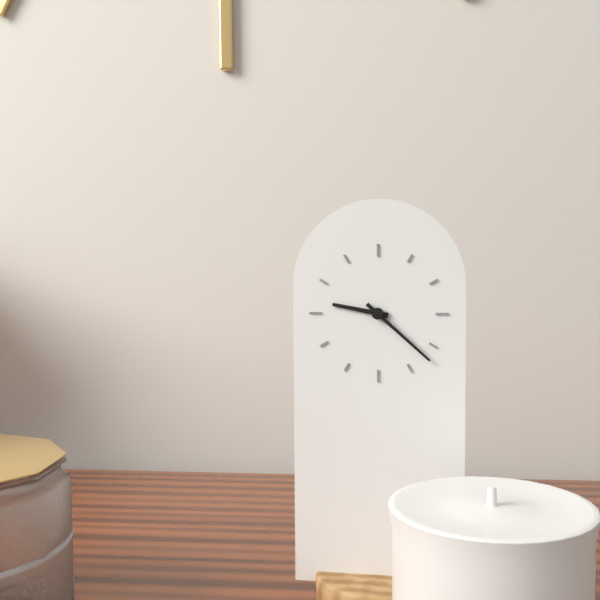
9 h 22 min
